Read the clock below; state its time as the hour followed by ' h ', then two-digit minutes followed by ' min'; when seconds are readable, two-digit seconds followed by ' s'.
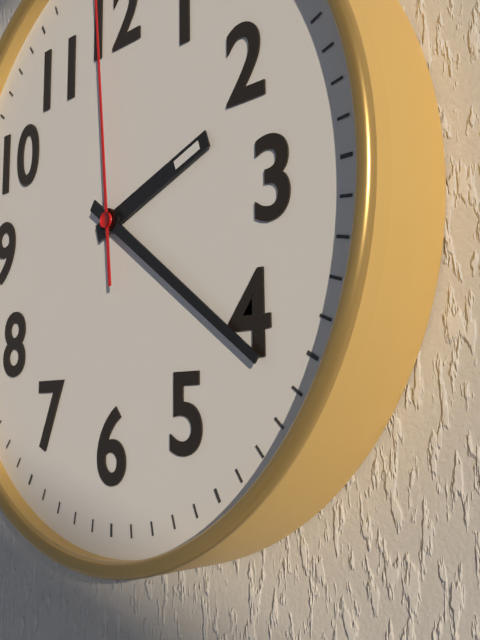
2 h 21 min
